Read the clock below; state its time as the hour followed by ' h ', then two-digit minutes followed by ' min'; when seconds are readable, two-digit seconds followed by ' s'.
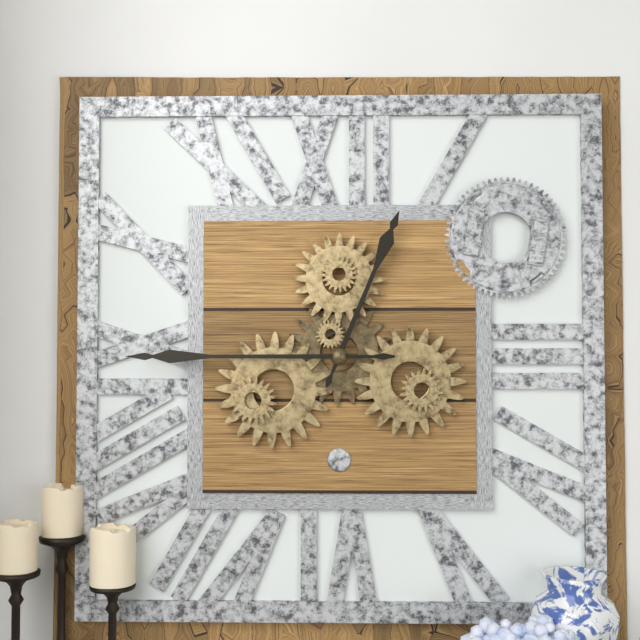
12 h 45 min
